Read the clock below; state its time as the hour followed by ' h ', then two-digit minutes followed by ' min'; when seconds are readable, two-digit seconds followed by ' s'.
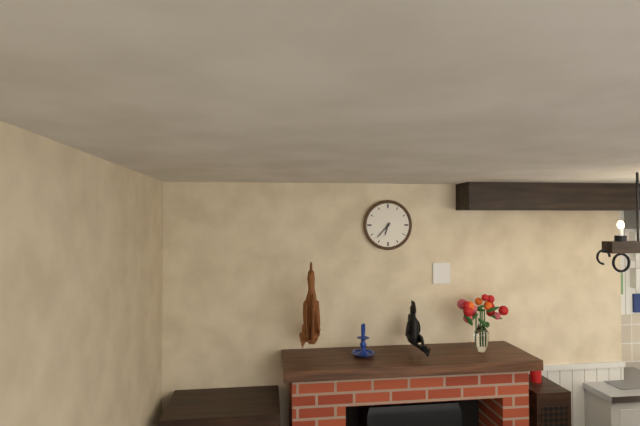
6 h 37 min
